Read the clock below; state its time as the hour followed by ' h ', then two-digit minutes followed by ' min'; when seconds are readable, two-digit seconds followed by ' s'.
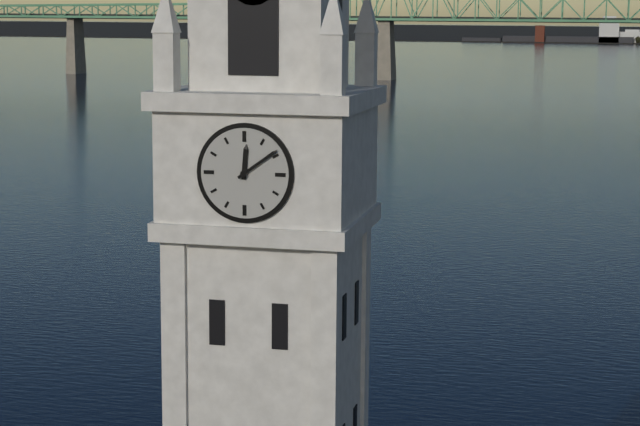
12 h 09 min
